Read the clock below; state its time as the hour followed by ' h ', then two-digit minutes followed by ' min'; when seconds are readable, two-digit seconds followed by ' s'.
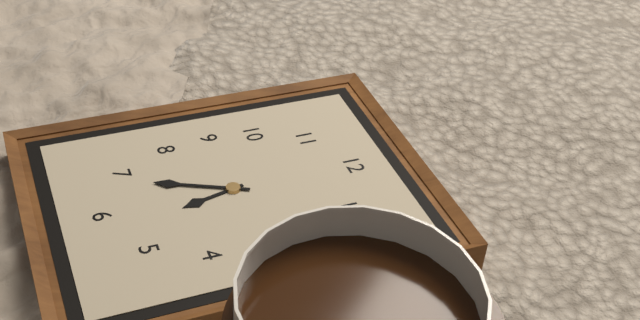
5 h 34 min
